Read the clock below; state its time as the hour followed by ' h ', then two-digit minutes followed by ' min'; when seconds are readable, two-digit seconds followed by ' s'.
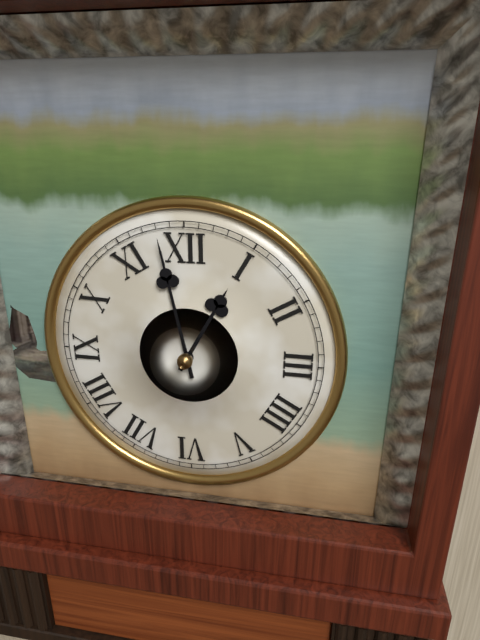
12 h 58 min
